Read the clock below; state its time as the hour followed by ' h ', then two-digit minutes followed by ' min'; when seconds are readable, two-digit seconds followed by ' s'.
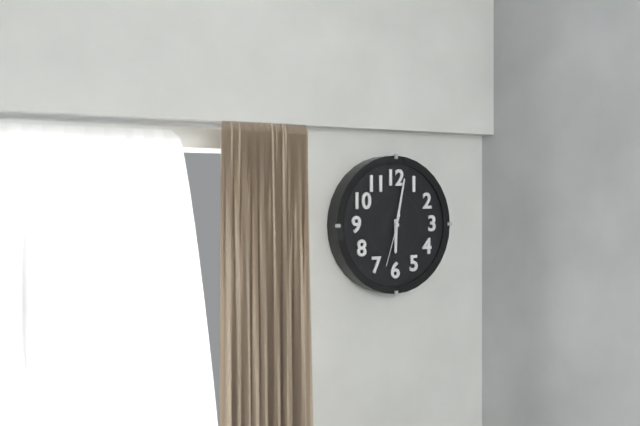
6 h 02 min 33 s
